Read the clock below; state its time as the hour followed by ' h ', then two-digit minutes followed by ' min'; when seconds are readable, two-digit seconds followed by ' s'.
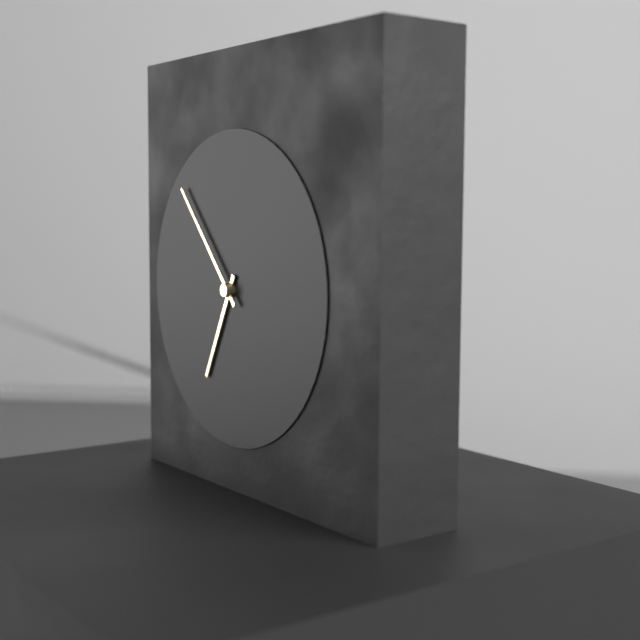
6 h 53 min
